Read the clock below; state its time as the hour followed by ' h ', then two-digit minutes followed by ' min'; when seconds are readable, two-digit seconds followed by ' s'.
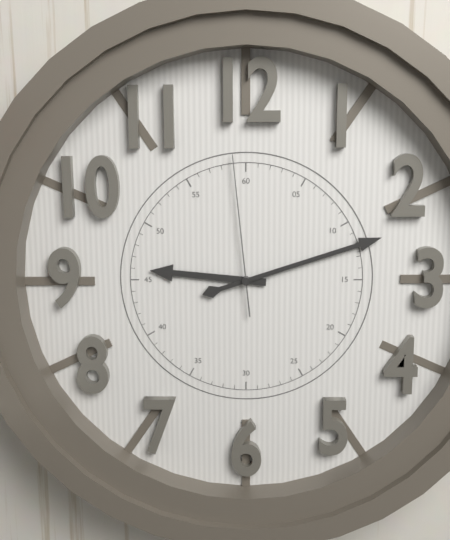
9 h 12 min 59 s
